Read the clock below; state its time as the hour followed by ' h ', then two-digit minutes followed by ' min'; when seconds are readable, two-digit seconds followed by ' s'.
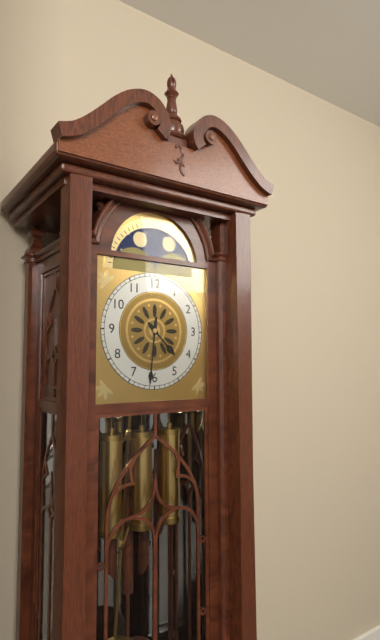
4 h 31 min
